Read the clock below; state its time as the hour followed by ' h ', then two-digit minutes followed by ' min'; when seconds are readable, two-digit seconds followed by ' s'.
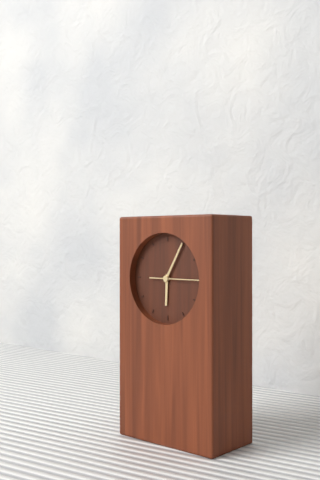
6 h 05 min
